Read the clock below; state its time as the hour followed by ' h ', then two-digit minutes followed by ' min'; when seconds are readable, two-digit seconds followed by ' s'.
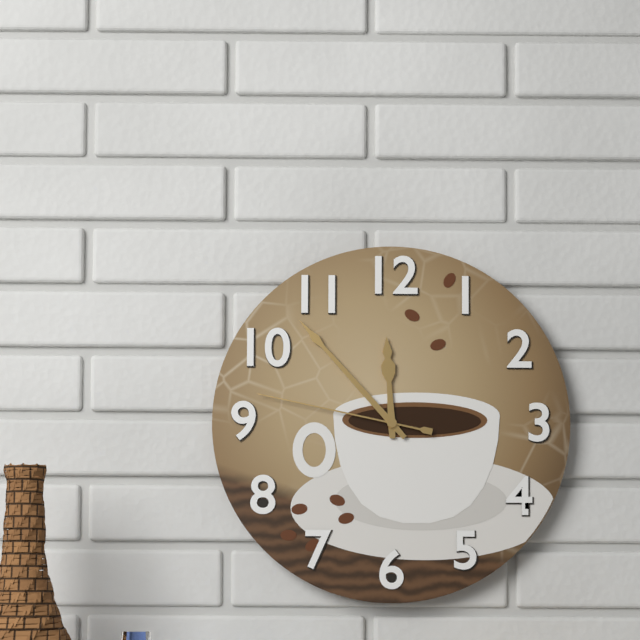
11 h 53 min 47 s
